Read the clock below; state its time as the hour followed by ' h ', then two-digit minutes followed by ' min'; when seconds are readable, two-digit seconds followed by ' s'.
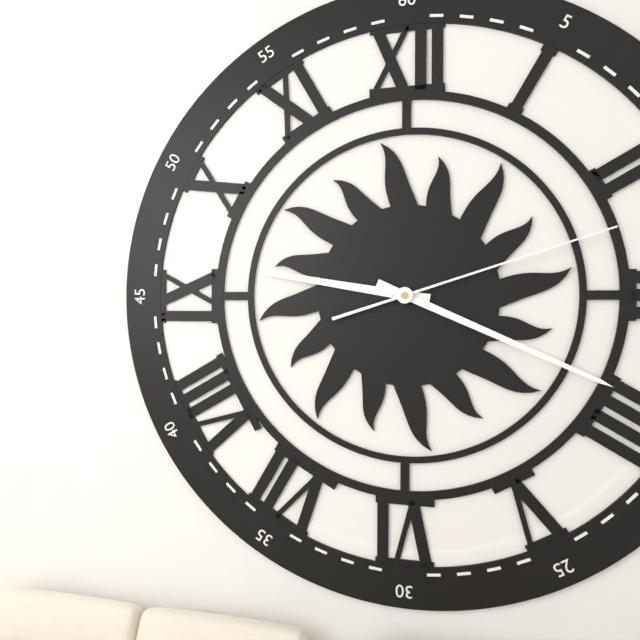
9 h 19 min 12 s
